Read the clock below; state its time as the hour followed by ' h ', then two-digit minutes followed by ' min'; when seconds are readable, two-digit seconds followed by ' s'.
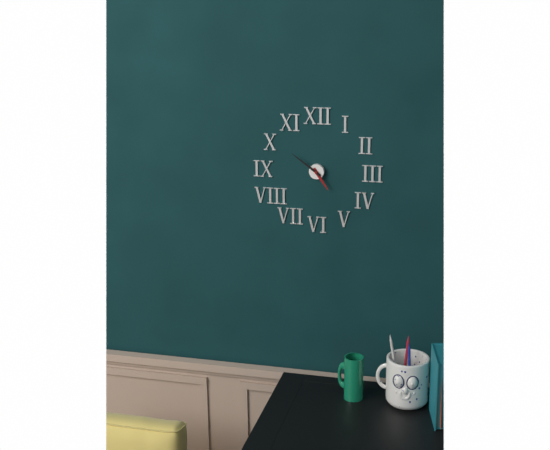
4 h 51 min
